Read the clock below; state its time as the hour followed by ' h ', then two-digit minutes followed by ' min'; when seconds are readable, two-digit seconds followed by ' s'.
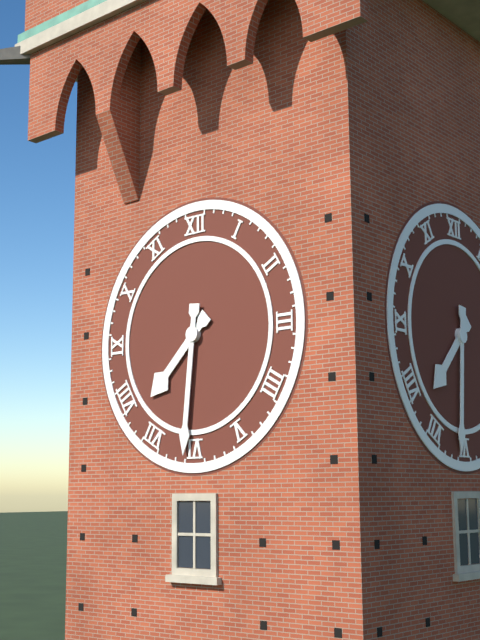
7 h 31 min
